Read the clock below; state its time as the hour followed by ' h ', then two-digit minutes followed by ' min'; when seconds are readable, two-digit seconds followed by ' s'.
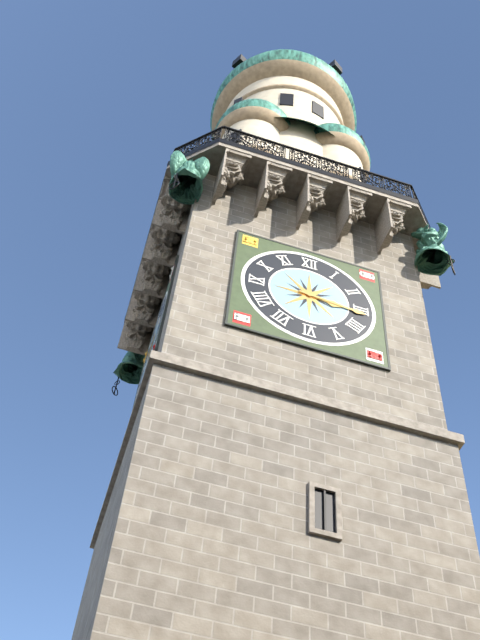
3 h 16 min
